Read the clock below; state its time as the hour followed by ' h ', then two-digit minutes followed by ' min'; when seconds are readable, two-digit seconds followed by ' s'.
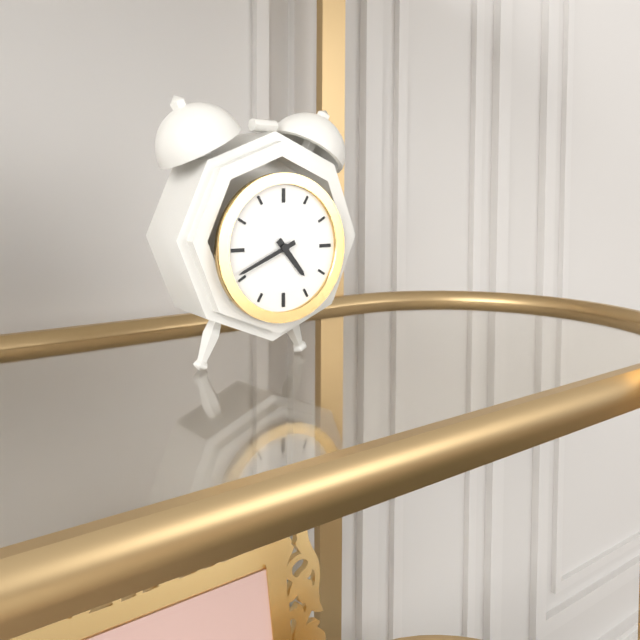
4 h 41 min
